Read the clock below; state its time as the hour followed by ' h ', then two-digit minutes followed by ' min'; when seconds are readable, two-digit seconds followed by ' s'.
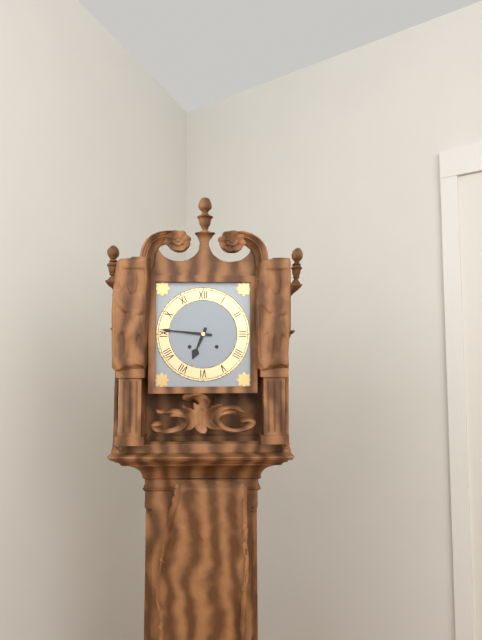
6 h 46 min
